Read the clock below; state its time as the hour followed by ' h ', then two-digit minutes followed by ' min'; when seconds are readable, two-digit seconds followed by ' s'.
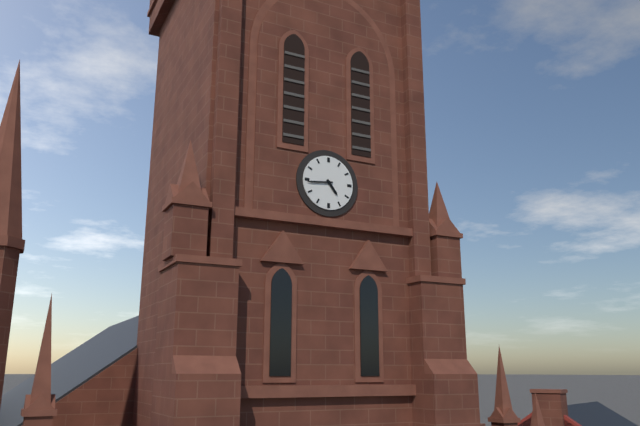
4 h 44 min
